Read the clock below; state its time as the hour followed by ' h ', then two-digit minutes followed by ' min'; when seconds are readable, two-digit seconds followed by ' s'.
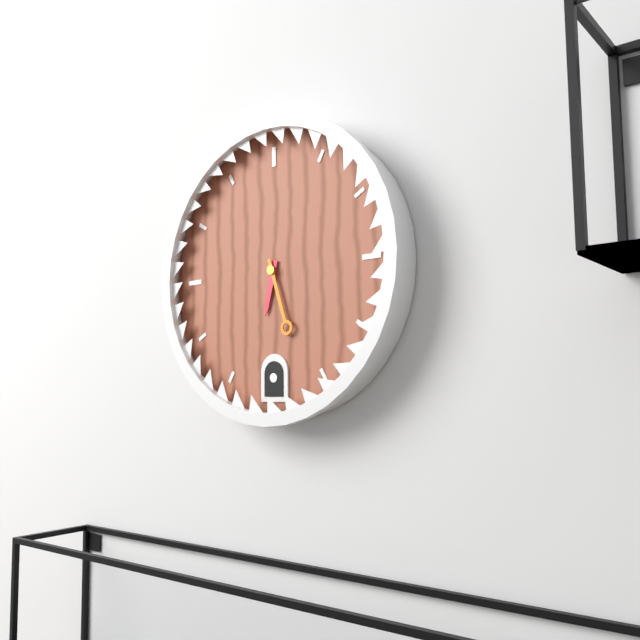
6 h 27 min
